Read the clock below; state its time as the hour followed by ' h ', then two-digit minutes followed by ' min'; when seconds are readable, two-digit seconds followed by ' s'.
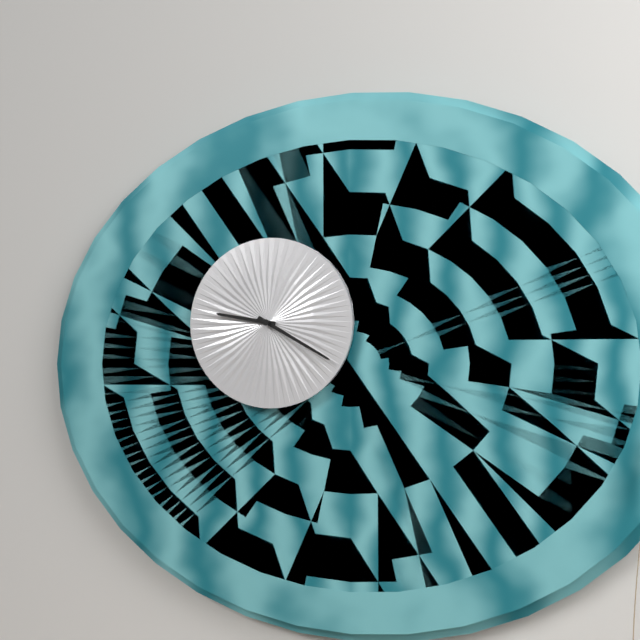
9 h 20 min
